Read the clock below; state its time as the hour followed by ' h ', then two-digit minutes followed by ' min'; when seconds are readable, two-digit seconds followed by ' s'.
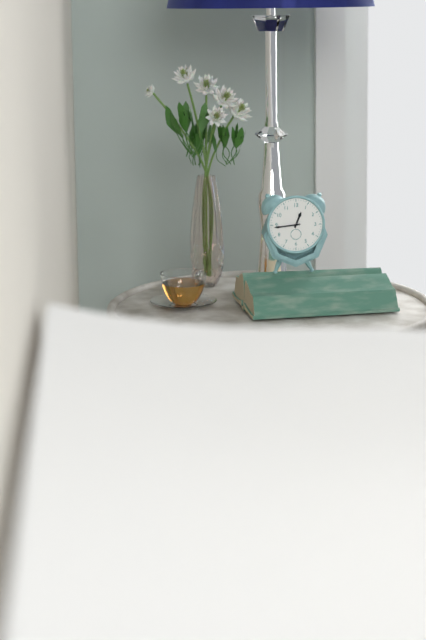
12 h 44 min
